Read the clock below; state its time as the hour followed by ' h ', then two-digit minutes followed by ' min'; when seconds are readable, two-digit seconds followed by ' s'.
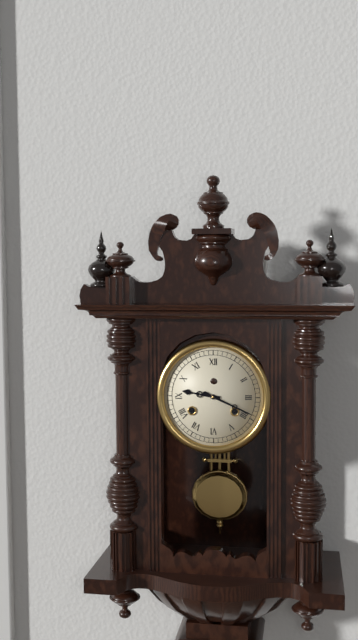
9 h 19 min
